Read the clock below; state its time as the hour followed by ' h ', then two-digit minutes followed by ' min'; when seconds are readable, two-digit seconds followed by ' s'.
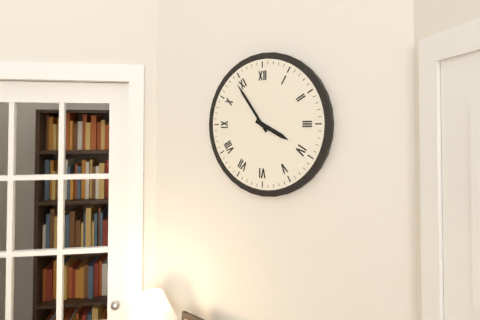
3 h 54 min
